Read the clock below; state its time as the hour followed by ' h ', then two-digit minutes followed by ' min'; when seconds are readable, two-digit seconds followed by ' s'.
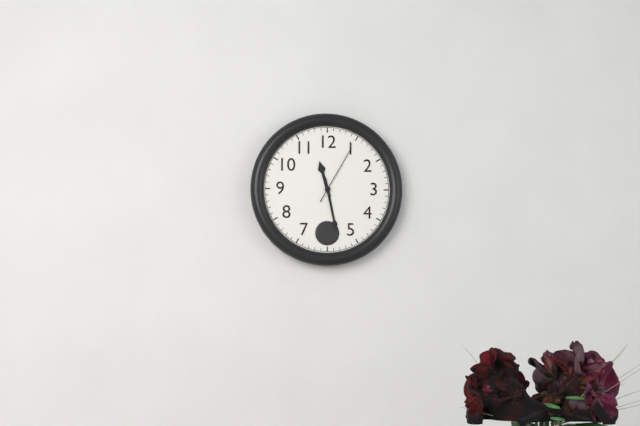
11 h 28 min 05 s
